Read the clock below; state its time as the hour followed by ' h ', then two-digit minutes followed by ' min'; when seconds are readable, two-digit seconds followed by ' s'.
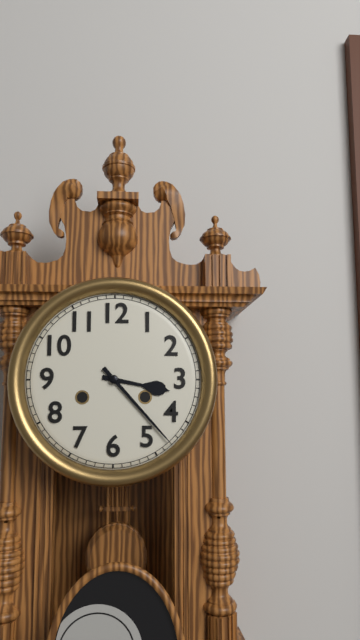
3 h 23 min
